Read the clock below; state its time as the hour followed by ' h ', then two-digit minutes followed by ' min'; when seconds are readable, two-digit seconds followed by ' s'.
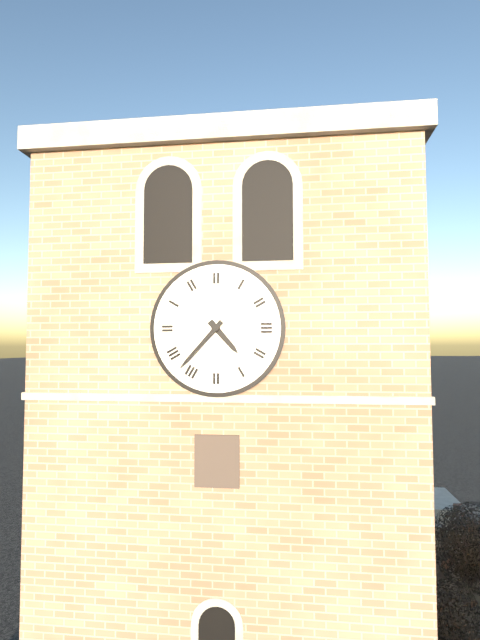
4 h 37 min
